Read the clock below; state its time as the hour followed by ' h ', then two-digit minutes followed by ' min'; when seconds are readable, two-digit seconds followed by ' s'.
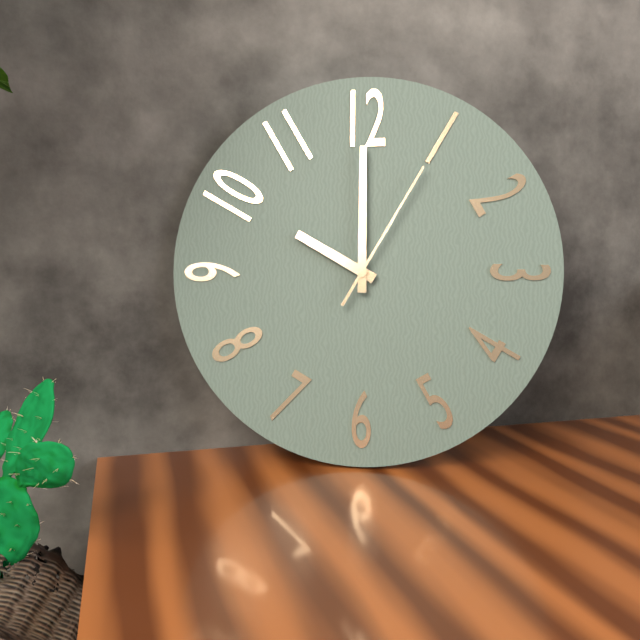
10 h 00 min 05 s
